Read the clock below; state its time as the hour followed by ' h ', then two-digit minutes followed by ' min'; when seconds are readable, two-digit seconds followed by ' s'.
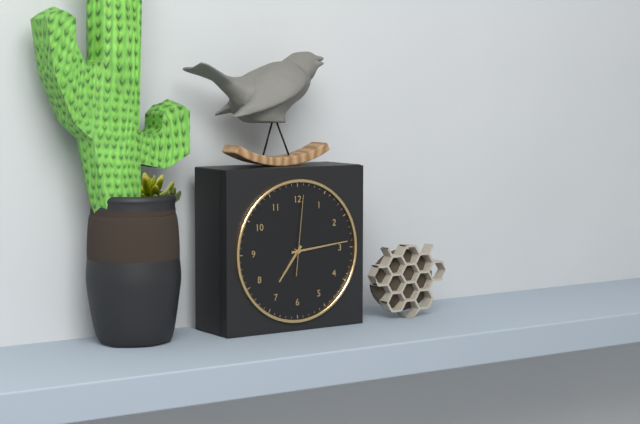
7 h 14 min 01 s
